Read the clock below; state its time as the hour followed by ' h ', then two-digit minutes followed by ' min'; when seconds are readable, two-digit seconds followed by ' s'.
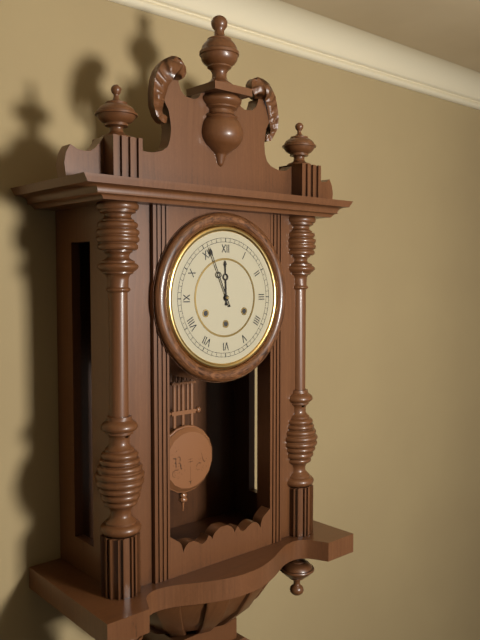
11 h 56 min
